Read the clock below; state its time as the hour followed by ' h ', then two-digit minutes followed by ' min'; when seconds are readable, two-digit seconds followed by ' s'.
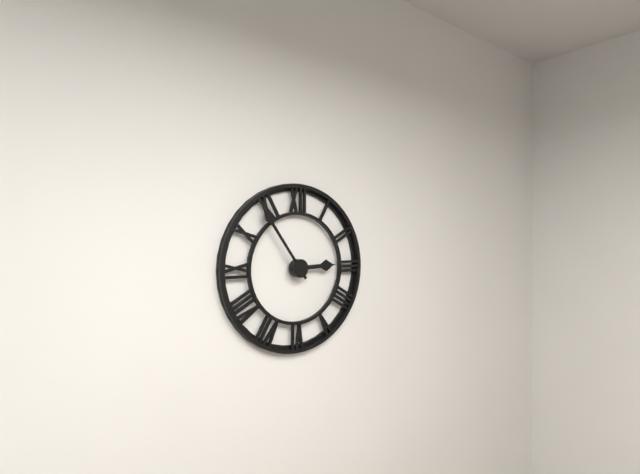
2 h 54 min
